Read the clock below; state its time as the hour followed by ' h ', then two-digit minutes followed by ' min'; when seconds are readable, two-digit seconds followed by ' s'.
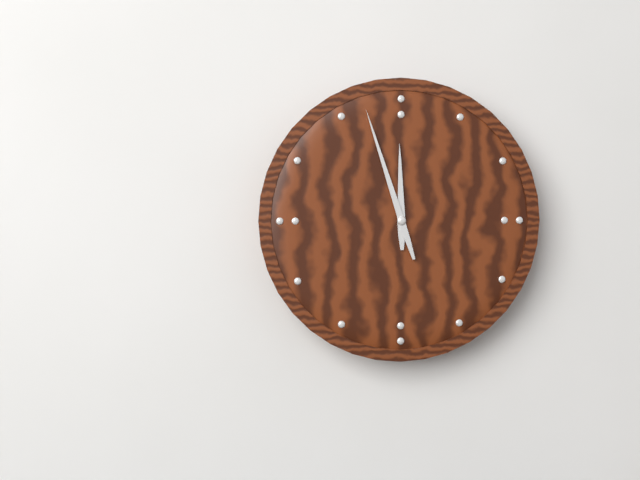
11 h 57 min
